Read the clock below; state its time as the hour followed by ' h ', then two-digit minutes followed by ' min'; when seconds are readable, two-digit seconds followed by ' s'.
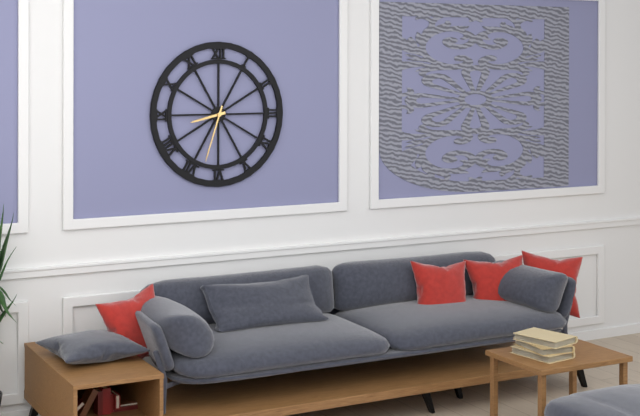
8 h 33 min
